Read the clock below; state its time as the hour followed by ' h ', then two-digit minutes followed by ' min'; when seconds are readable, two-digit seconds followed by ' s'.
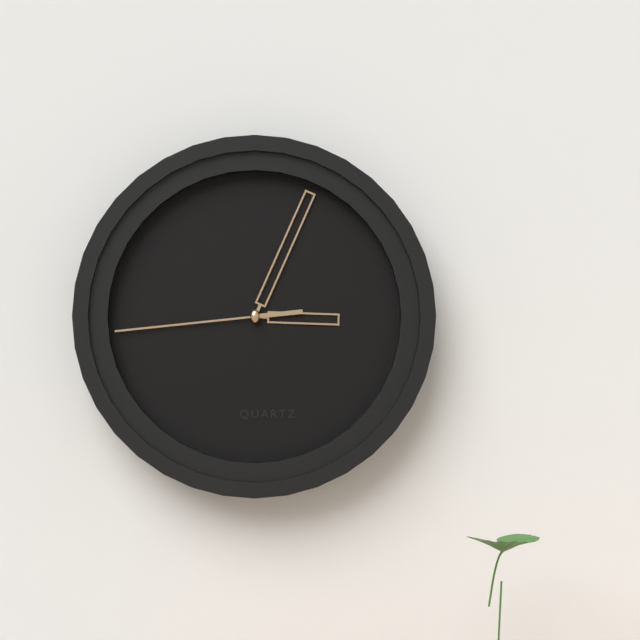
3 h 04 min 44 s
